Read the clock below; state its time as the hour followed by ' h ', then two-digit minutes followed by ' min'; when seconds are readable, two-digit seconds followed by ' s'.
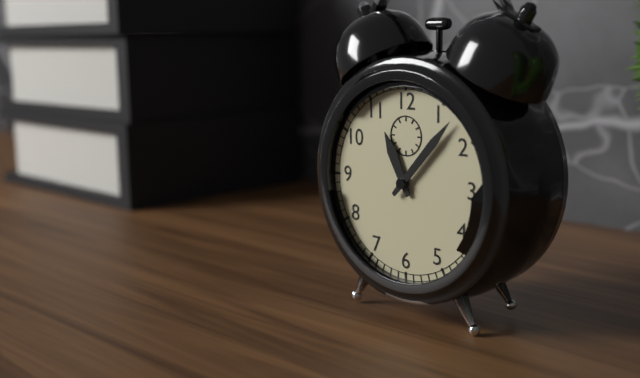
11 h 07 min
